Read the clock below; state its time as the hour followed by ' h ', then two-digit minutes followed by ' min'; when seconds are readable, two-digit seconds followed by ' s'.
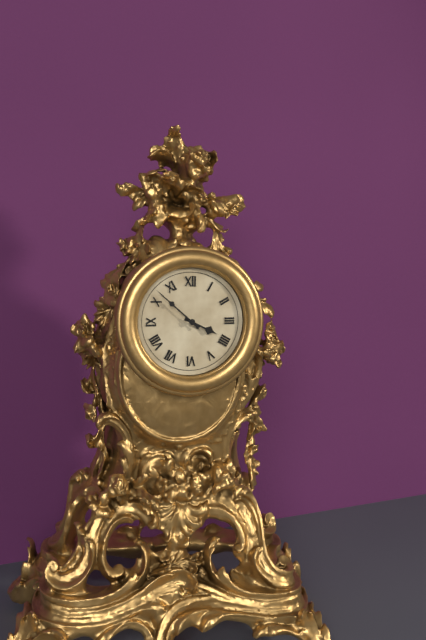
3 h 52 min
